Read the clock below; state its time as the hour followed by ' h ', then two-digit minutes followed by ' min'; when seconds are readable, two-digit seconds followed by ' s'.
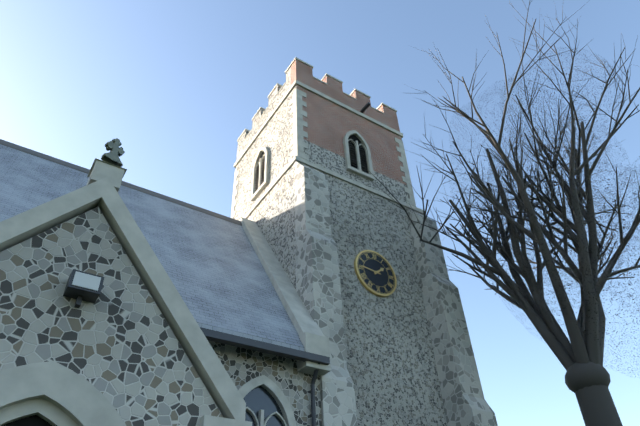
1 h 46 min
